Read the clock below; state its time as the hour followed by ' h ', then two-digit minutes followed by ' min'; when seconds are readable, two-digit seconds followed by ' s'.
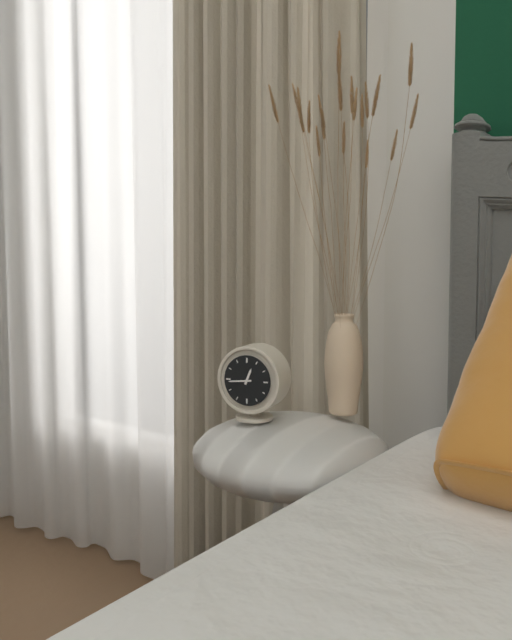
12 h 44 min
